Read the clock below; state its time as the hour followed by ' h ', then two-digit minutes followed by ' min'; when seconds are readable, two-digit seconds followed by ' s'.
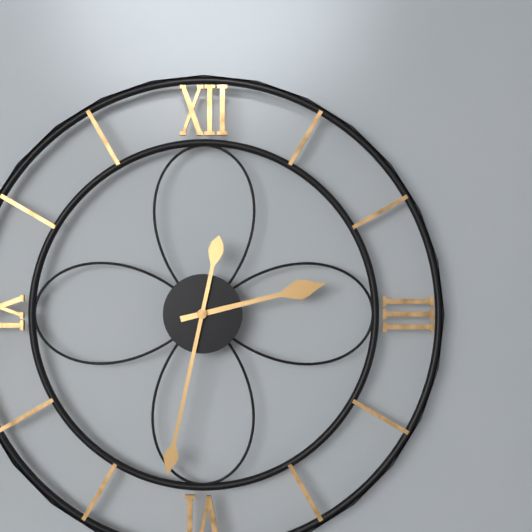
2 h 32 min
